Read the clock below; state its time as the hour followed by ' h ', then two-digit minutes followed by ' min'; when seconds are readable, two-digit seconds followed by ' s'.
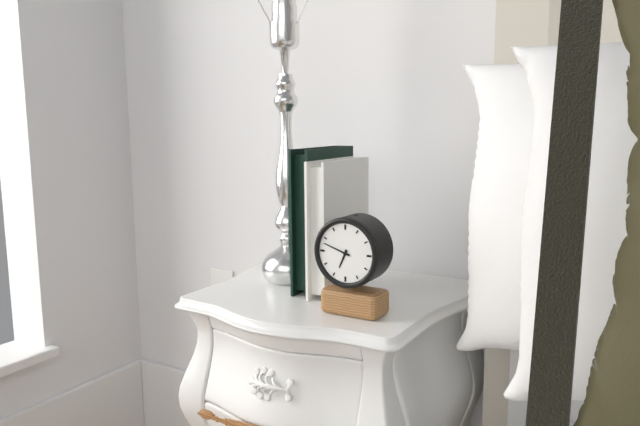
6 h 48 min
